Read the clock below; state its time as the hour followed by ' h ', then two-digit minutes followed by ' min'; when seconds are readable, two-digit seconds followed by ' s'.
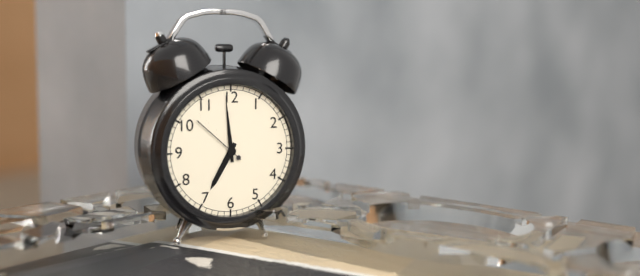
6 h 59 min 52 s
